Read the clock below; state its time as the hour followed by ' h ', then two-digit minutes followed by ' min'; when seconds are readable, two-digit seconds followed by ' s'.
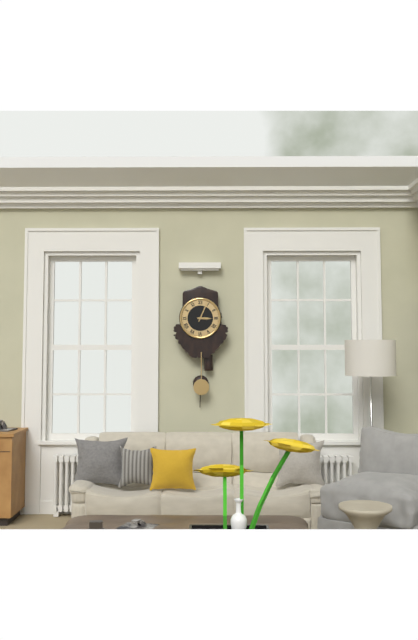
3 h 04 min
